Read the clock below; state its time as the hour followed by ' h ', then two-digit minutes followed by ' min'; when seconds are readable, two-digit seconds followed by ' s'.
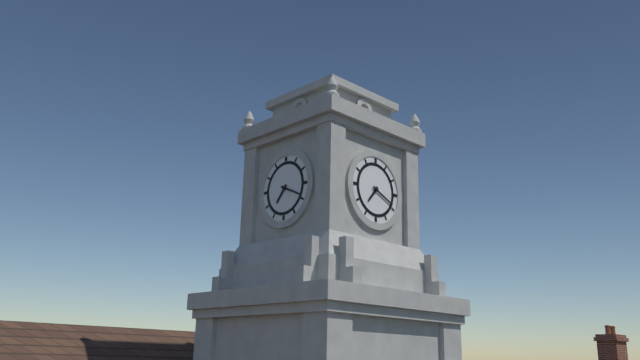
7 h 19 min
